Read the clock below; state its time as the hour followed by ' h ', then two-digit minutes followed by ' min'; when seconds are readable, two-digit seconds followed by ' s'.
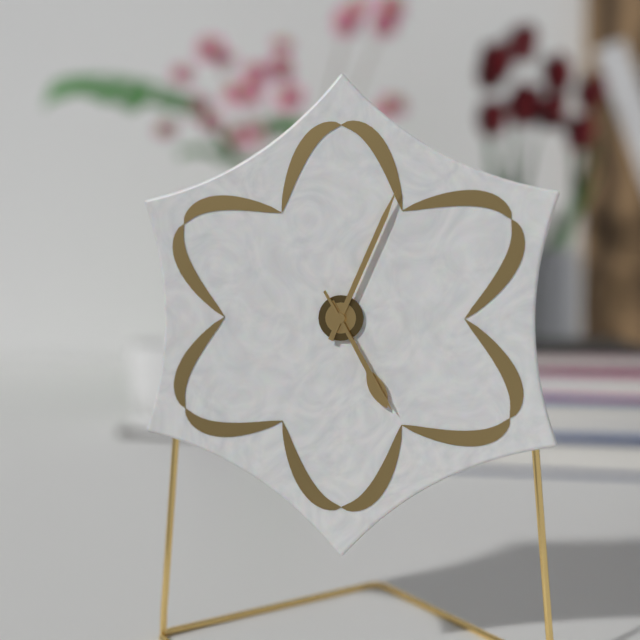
5 h 04 min 25 s
